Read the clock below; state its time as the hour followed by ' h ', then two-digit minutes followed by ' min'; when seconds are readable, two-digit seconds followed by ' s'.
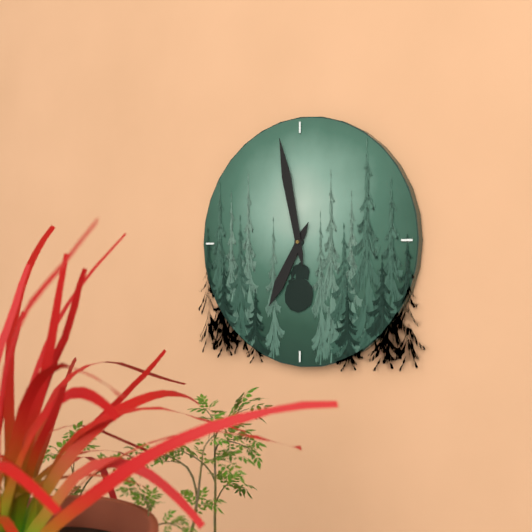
6 h 58 min
